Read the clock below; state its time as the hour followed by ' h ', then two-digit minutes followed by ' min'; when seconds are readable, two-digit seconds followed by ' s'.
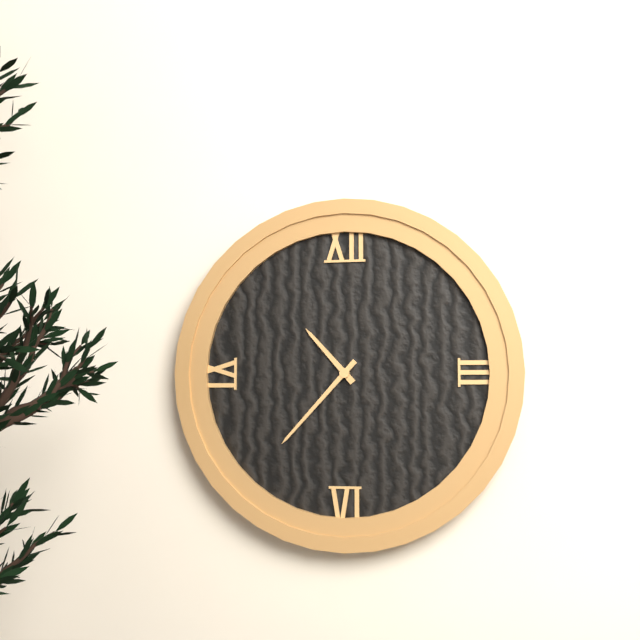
10 h 37 min
